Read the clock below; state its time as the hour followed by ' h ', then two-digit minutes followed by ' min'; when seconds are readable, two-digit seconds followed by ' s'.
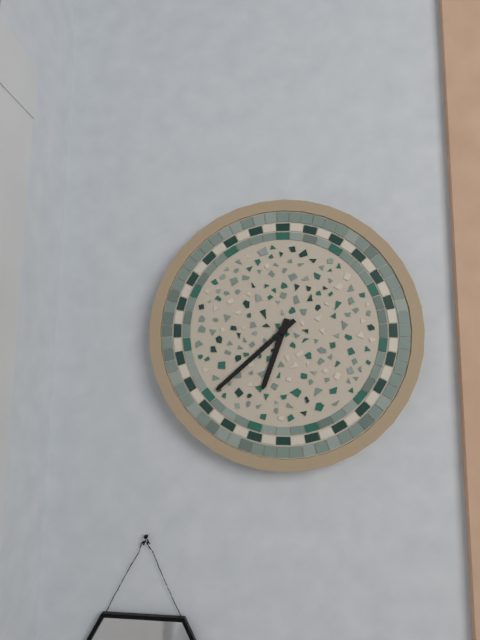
6 h 38 min
